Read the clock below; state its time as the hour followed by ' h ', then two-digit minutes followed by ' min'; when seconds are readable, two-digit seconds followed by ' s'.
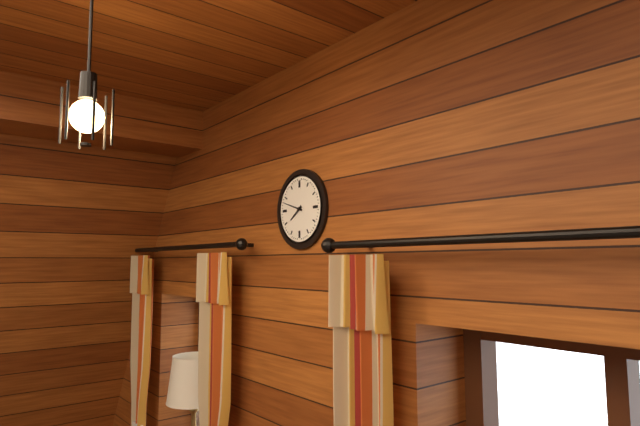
7 h 48 min
